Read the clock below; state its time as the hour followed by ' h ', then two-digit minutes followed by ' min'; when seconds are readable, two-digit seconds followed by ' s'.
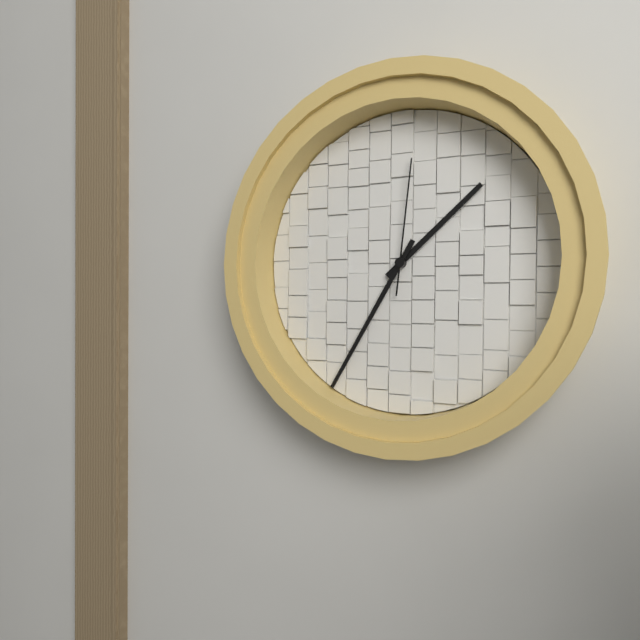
1 h 35 min 01 s
